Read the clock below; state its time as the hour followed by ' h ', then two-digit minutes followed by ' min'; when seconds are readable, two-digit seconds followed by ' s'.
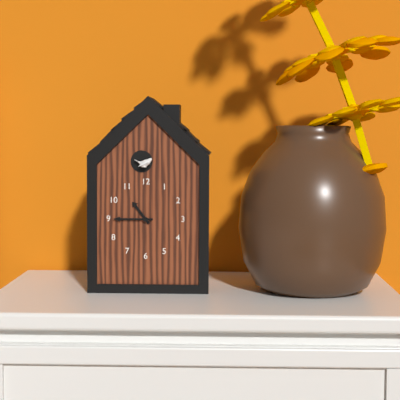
10 h 45 min
